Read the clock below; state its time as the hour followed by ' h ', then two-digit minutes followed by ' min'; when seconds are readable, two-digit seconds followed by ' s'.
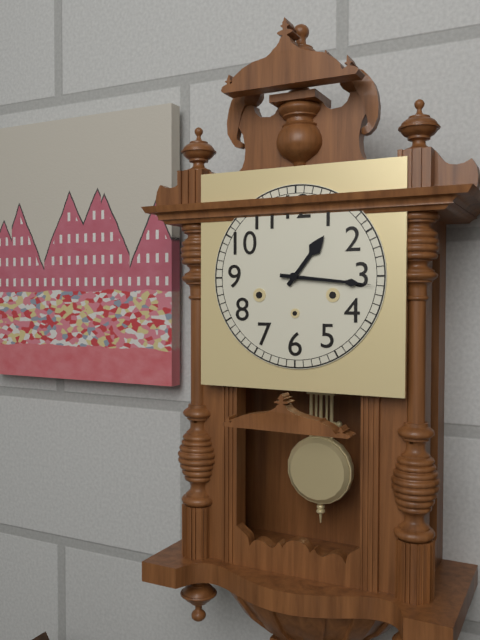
1 h 16 min
